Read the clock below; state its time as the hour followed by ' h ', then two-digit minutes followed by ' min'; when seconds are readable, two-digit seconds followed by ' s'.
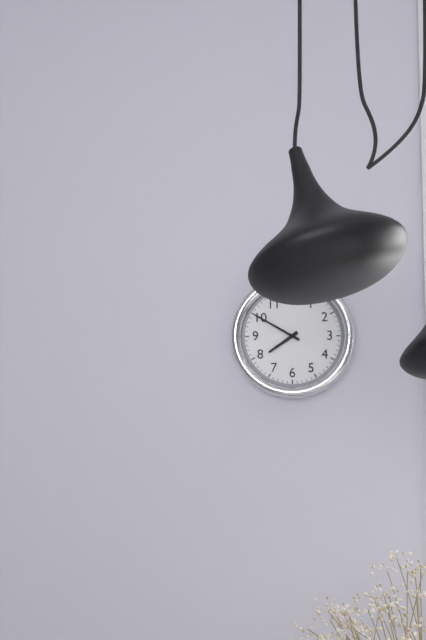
7 h 50 min
